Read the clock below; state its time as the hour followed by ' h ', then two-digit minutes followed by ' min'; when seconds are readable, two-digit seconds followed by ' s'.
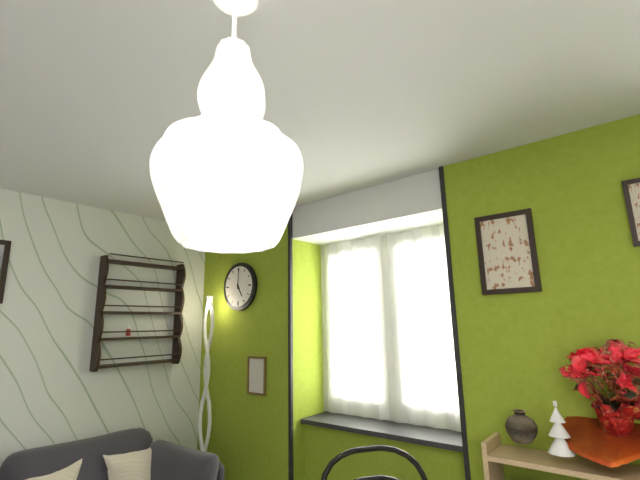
5 h 00 min
